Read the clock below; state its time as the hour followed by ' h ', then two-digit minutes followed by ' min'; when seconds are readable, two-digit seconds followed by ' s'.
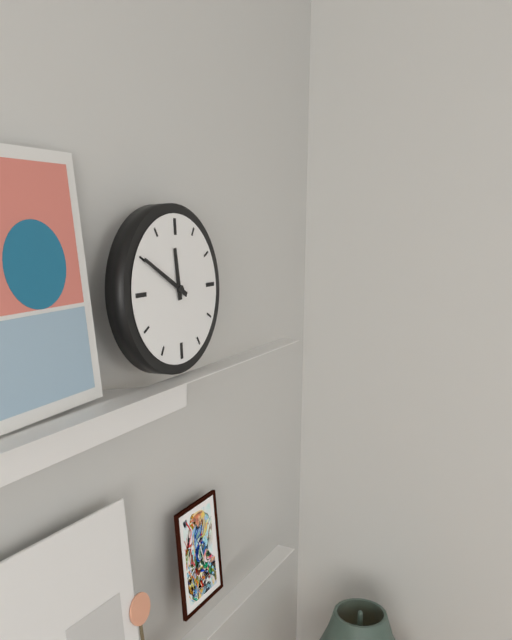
11 h 50 min
